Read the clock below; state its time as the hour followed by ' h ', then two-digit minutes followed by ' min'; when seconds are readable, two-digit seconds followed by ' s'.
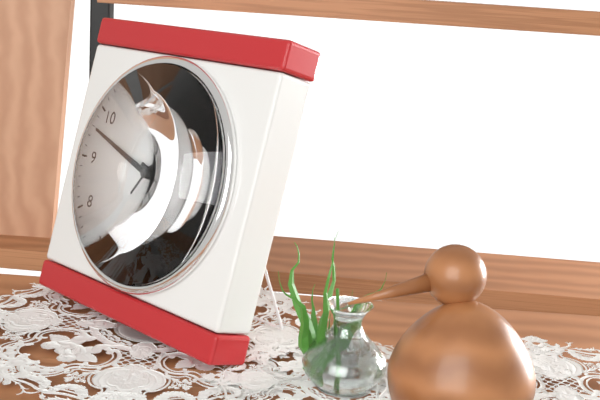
3 h 48 min 05 s
